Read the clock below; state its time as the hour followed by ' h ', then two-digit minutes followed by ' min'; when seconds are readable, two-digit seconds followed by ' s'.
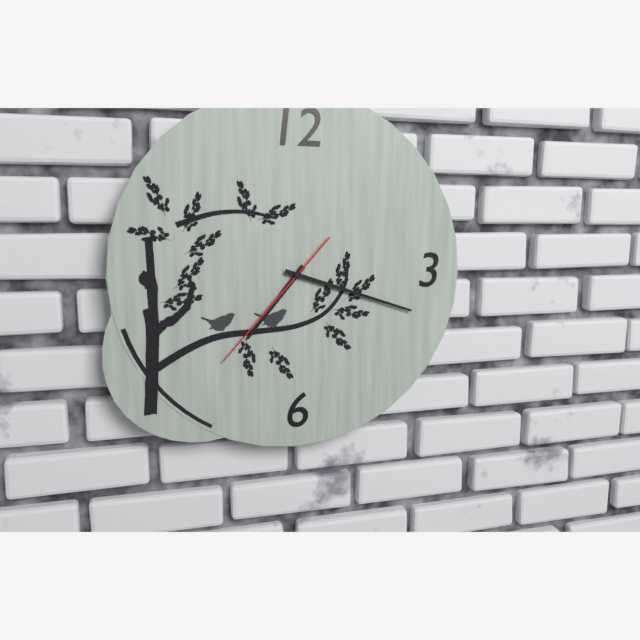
7 h 18 min 37 s
